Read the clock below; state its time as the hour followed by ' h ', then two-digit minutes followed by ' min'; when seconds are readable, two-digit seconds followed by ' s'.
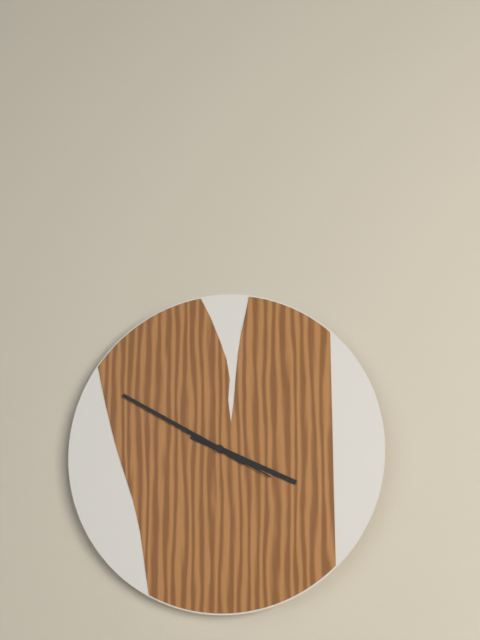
3 h 50 min 20 s
